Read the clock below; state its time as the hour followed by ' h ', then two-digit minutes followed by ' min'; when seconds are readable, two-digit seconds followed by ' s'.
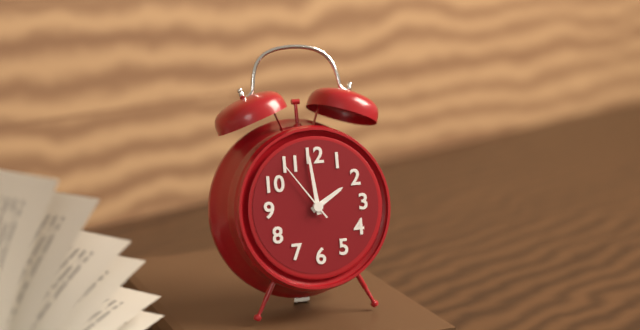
1 h 59 min 54 s
